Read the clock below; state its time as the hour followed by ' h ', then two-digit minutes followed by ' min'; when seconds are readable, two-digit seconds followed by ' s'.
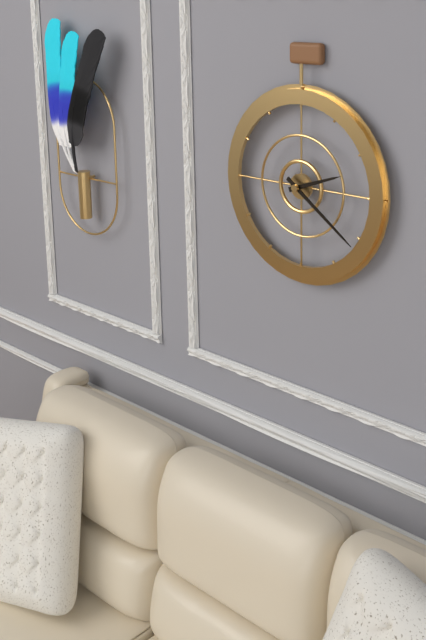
2 h 21 min
